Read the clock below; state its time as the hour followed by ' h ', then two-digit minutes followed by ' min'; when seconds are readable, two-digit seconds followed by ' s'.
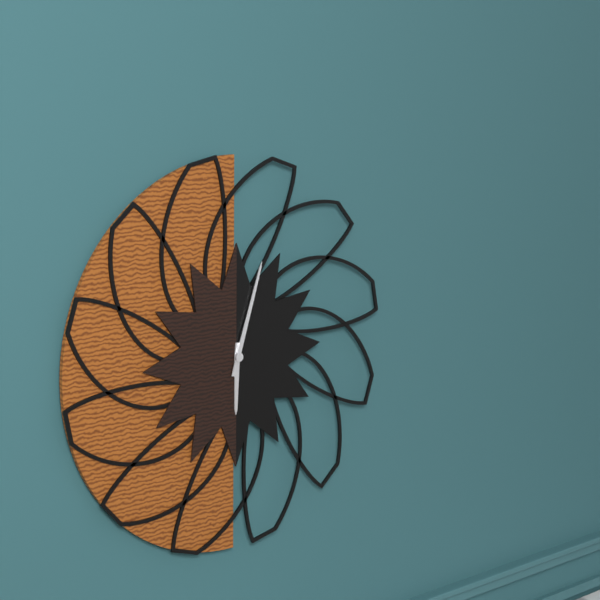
6 h 03 min
